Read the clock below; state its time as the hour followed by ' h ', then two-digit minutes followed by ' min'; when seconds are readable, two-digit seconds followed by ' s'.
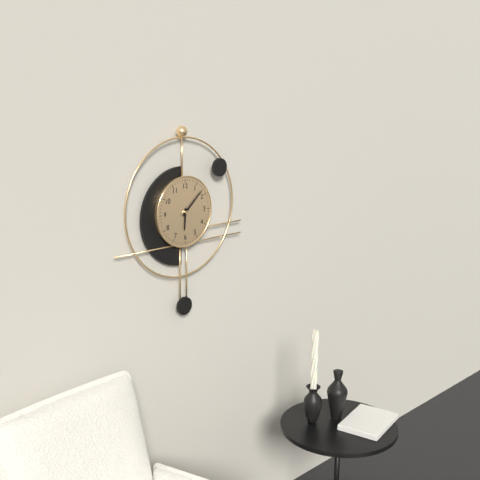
6 h 08 min
